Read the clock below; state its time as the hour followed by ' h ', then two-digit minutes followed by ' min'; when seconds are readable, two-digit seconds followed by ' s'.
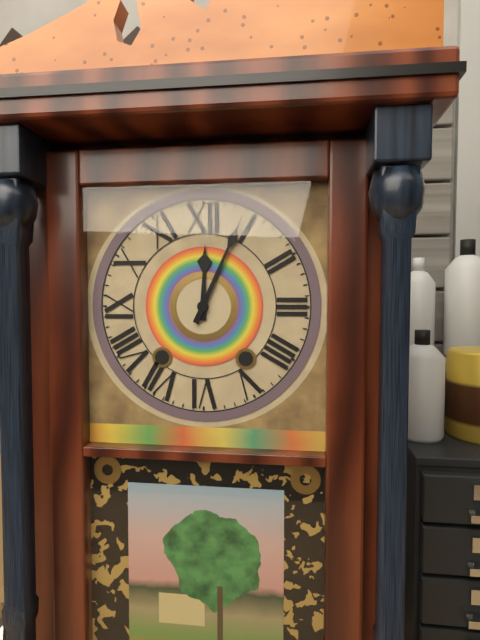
12 h 04 min
